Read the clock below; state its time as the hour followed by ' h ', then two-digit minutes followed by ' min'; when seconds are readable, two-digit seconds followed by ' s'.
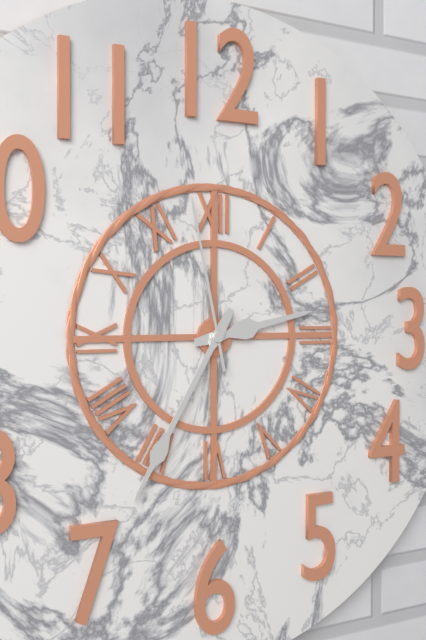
2 h 35 min 58 s
